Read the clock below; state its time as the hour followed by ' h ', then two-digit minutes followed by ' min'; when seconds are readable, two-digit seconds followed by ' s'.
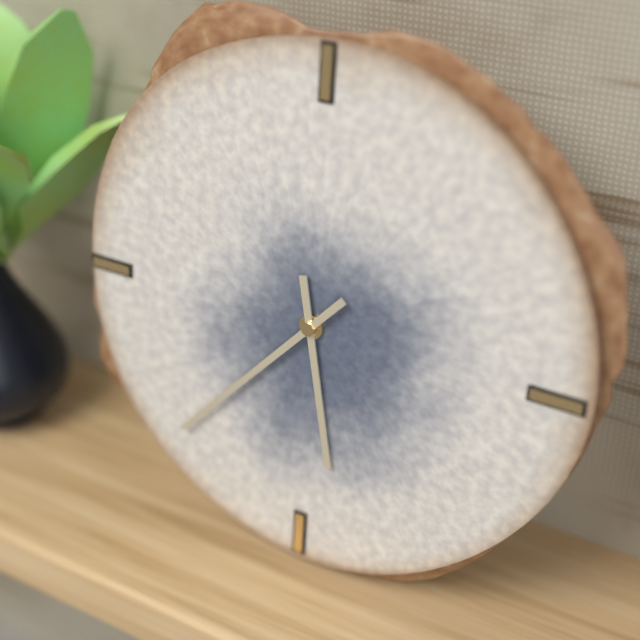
5 h 37 min
